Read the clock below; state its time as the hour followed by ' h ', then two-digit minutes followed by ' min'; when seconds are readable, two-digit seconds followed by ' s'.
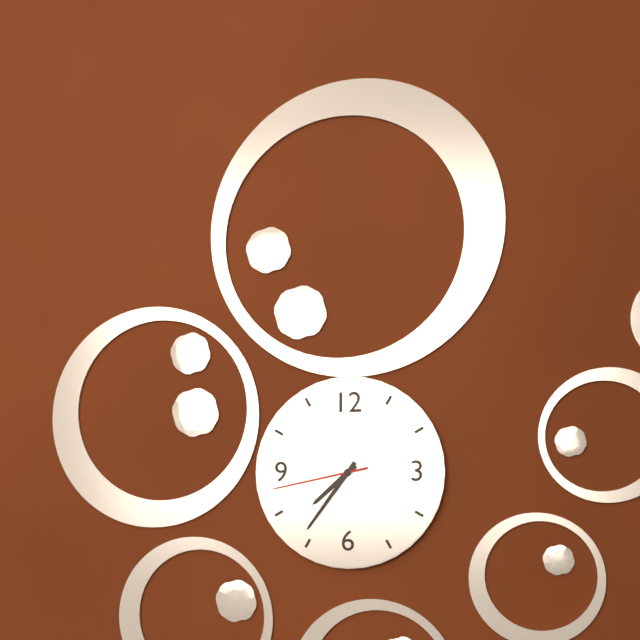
7 h 36 min 43 s
